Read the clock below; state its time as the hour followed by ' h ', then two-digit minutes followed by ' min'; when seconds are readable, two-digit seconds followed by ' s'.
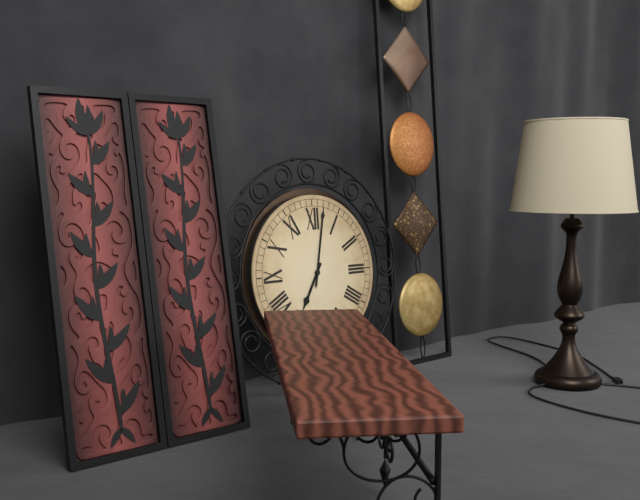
7 h 02 min
